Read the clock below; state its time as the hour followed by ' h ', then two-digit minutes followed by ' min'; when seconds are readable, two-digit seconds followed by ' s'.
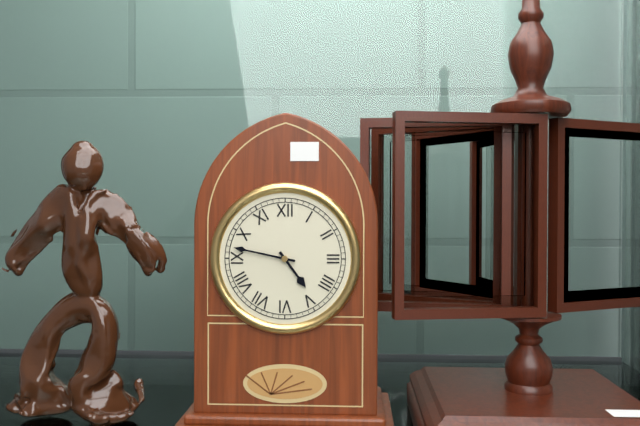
4 h 47 min
